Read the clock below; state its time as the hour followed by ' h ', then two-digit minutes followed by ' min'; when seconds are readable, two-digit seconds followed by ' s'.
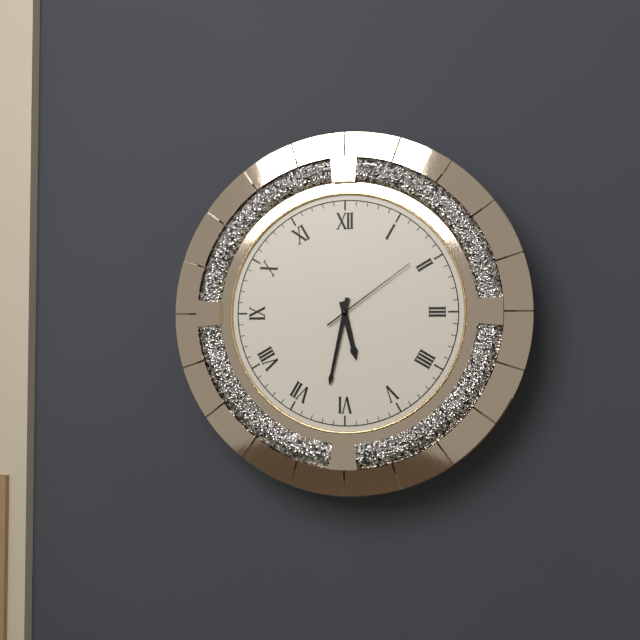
5 h 32 min 09 s
